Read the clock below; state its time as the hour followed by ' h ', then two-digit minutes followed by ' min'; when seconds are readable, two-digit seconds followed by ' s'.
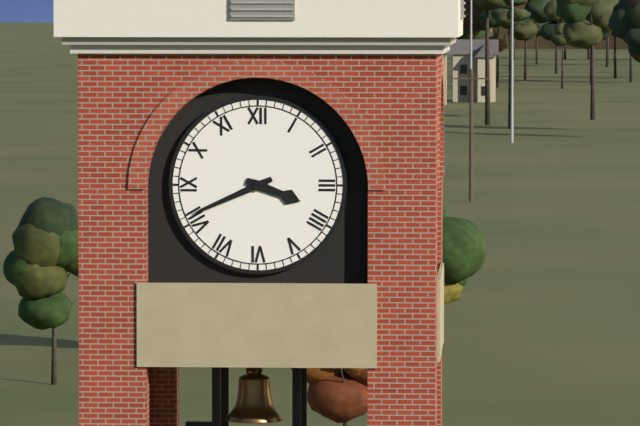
3 h 41 min
